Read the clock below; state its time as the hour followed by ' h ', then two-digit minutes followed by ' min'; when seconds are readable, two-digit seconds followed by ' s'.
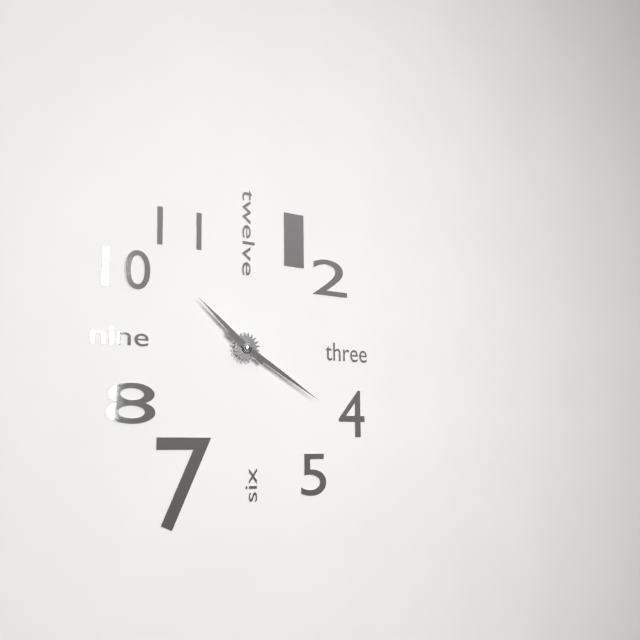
10 h 20 min
